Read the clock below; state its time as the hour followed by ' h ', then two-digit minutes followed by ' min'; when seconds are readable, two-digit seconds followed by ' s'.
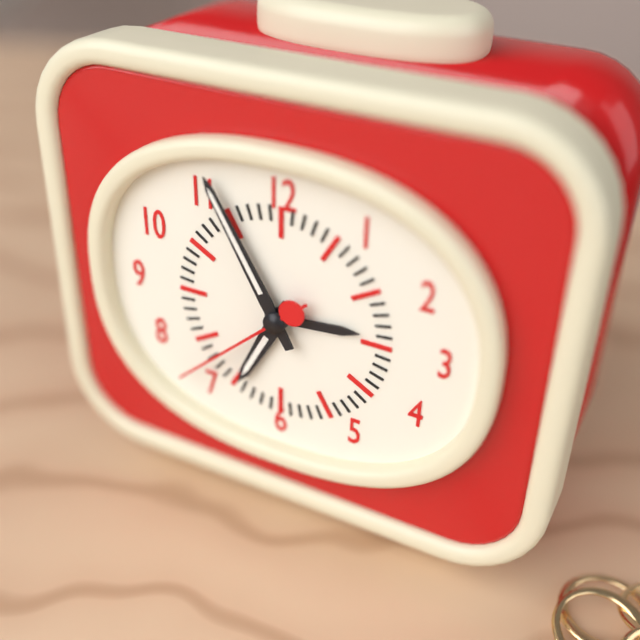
6 h 55 min 38 s
